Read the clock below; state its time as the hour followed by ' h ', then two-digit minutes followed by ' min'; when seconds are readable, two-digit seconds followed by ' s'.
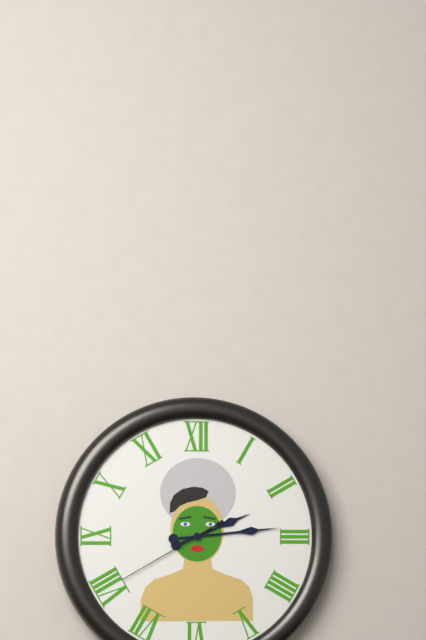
2 h 14 min 40 s
